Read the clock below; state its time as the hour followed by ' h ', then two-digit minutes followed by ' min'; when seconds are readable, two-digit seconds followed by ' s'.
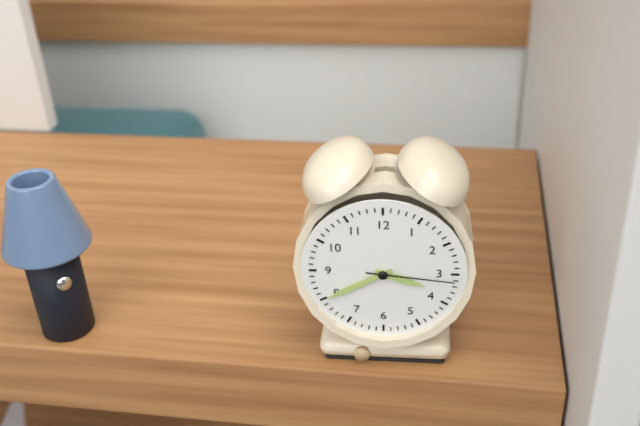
3 h 40 min 16 s
